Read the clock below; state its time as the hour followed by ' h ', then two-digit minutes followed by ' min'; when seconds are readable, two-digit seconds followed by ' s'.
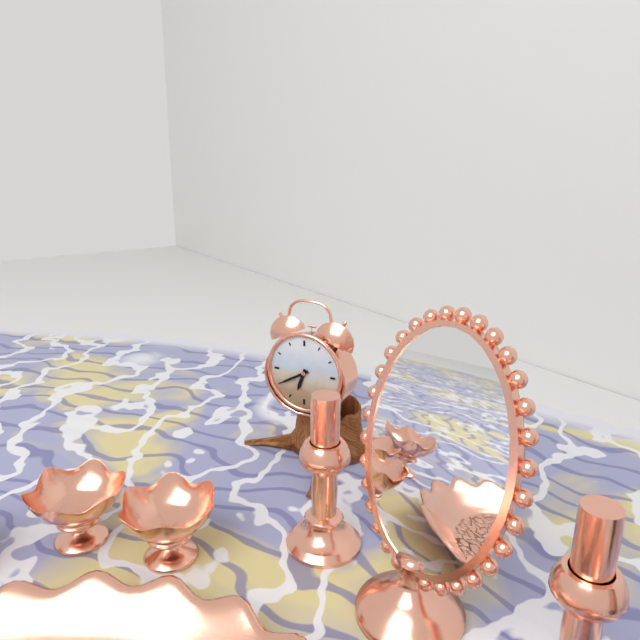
6 h 40 min
